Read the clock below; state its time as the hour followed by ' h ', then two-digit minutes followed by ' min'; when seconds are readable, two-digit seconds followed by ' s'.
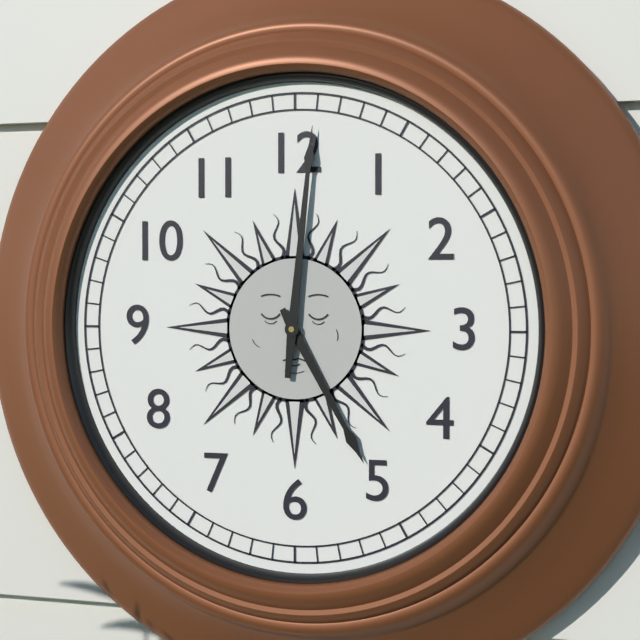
5 h 01 min
